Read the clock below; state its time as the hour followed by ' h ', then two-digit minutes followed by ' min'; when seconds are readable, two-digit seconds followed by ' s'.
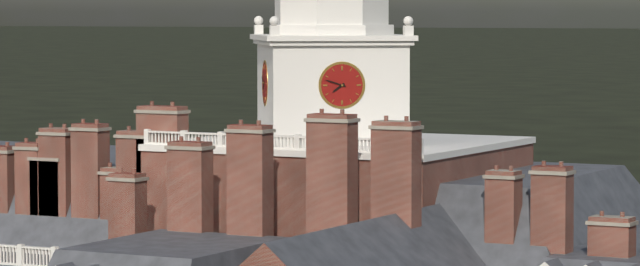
7 h 48 min
